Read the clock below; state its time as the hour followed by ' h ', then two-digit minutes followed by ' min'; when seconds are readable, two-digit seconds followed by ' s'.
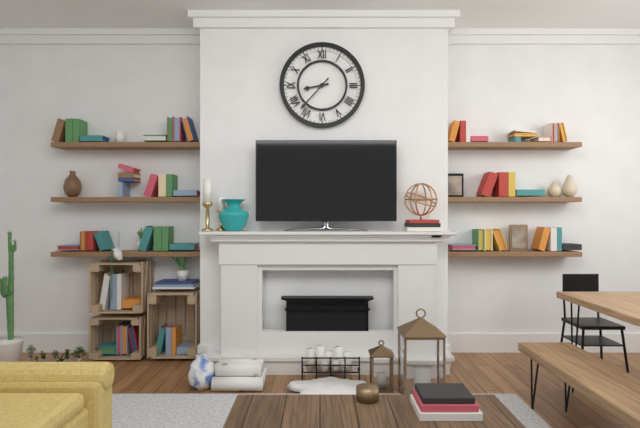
8 h 37 min
